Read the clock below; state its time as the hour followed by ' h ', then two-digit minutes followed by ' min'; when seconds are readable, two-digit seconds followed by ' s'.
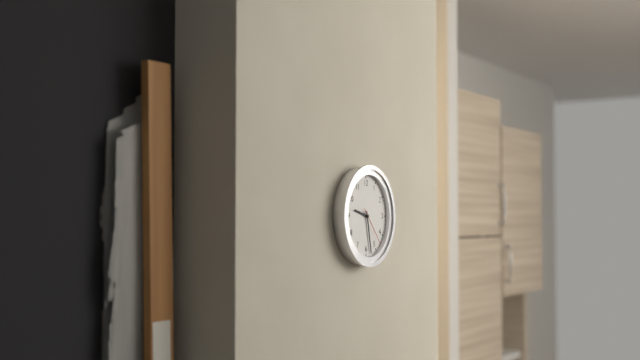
9 h 28 min
